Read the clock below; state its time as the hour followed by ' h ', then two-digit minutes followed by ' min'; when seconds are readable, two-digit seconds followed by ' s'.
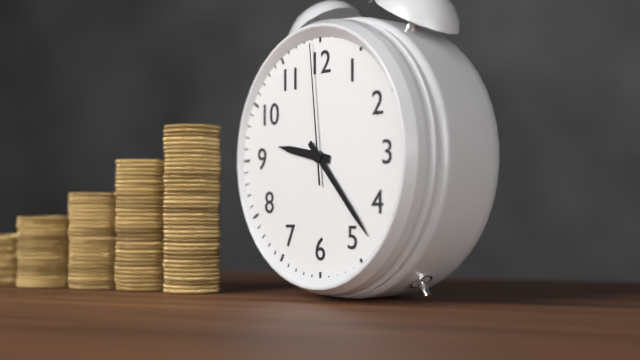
9 h 23 min 59 s
